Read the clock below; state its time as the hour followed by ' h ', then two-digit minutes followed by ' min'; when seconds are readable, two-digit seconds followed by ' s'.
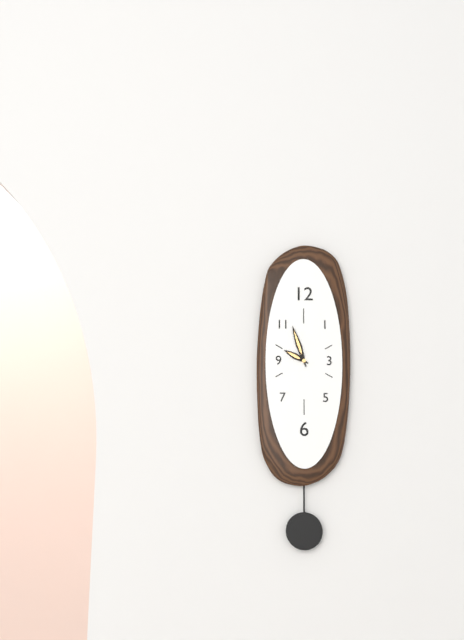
9 h 57 min
